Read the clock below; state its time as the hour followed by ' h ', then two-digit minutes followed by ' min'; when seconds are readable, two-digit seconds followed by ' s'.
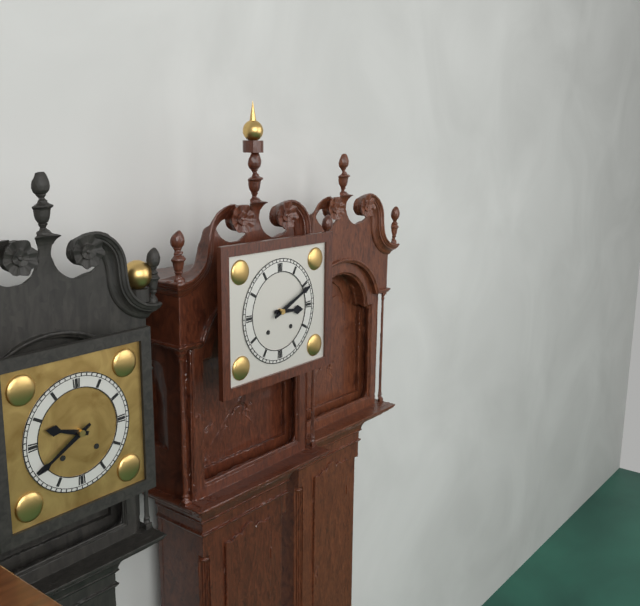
3 h 11 min
